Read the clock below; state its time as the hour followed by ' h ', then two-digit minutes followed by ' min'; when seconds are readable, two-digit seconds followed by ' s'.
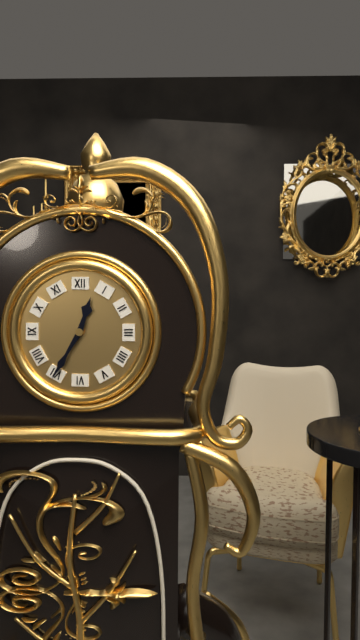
12 h 35 min
